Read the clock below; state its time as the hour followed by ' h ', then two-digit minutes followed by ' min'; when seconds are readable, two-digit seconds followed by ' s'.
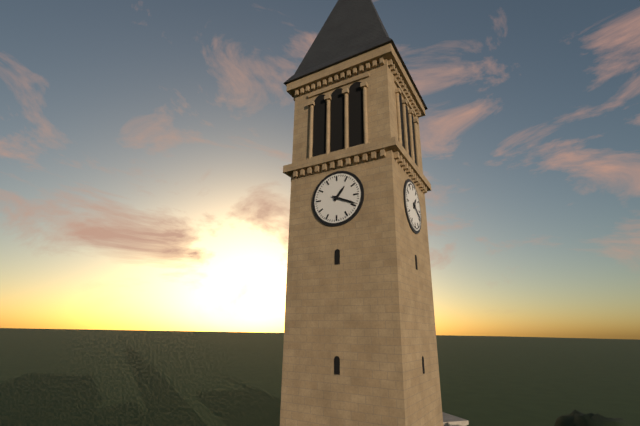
1 h 19 min
